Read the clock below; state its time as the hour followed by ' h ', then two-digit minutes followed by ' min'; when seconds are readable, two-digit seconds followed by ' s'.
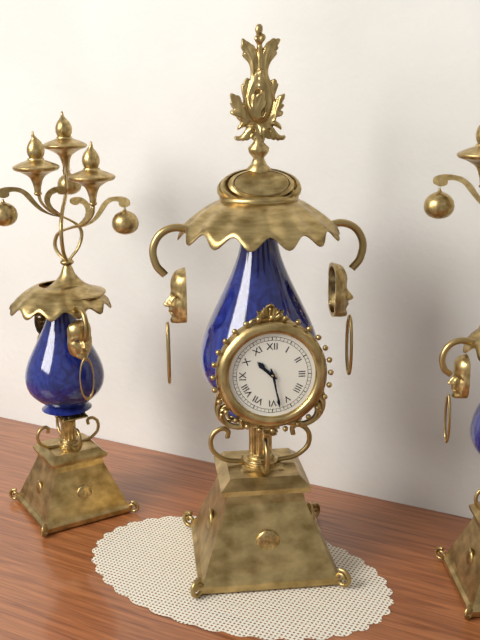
10 h 28 min
